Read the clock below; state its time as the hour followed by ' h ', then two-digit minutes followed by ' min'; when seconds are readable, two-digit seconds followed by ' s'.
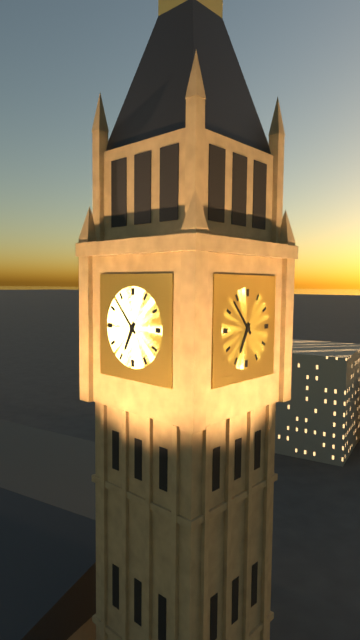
6 h 53 min
